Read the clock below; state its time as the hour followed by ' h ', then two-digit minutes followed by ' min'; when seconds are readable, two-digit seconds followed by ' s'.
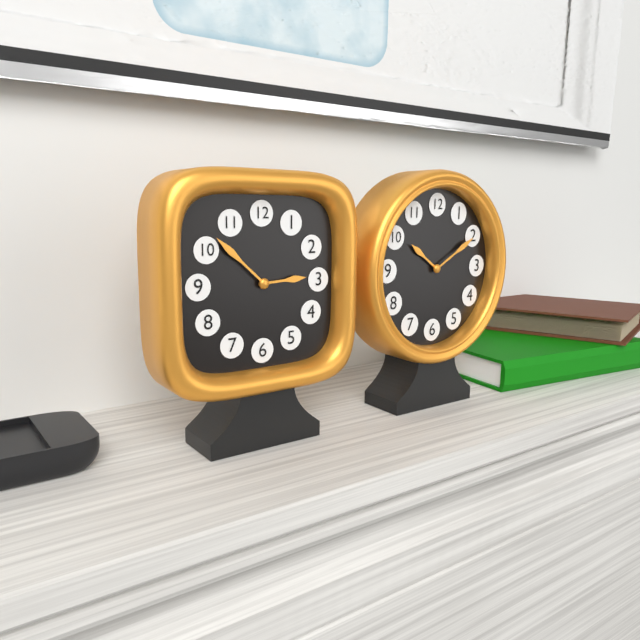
2 h 52 min
